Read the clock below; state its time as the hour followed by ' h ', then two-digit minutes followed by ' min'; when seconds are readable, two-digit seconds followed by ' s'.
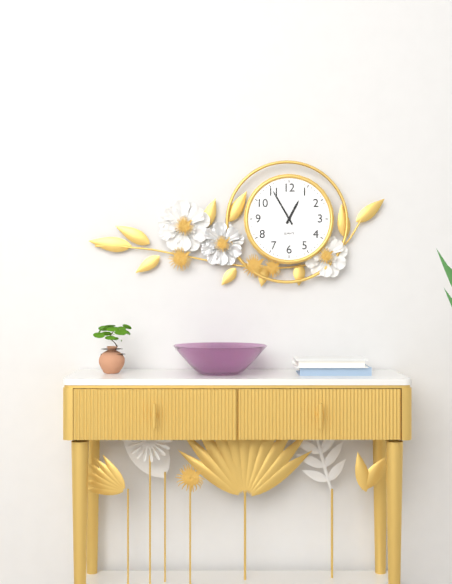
12 h 55 min
